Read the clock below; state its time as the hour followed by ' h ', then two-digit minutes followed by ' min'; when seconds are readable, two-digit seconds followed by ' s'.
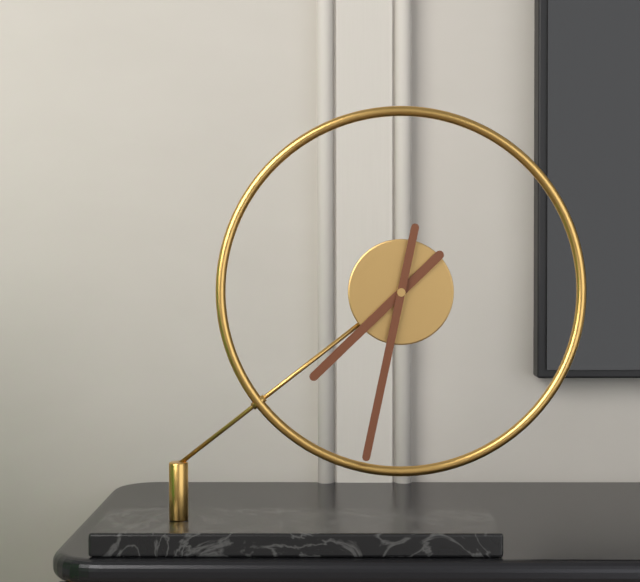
7 h 32 min
